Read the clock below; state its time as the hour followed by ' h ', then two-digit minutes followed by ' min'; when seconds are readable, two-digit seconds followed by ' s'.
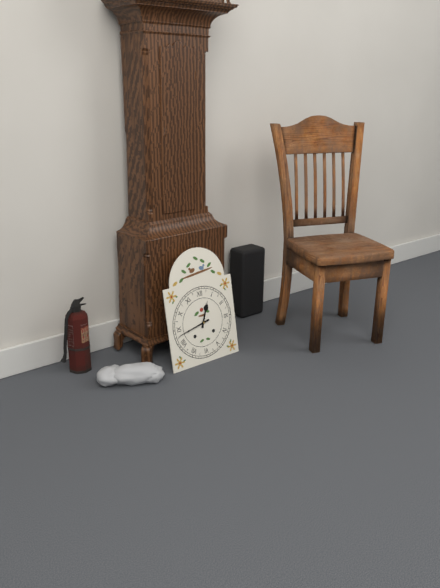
12 h 43 min
